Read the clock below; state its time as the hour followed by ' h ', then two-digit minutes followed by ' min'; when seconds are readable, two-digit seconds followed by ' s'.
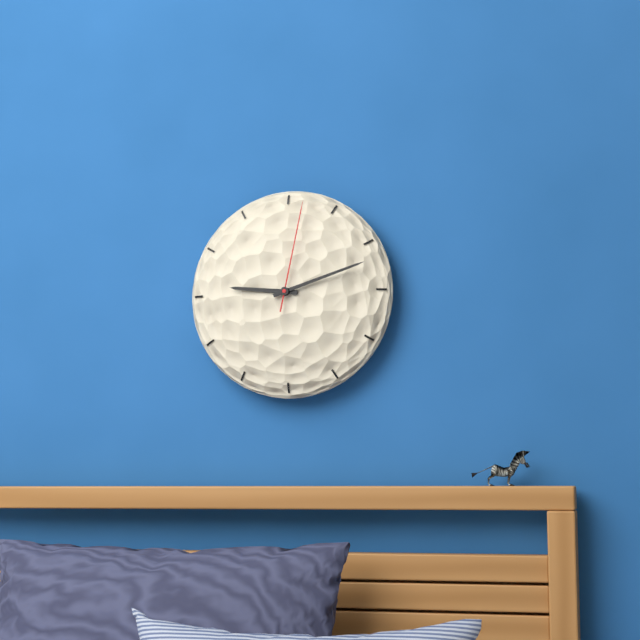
9 h 12 min 02 s
